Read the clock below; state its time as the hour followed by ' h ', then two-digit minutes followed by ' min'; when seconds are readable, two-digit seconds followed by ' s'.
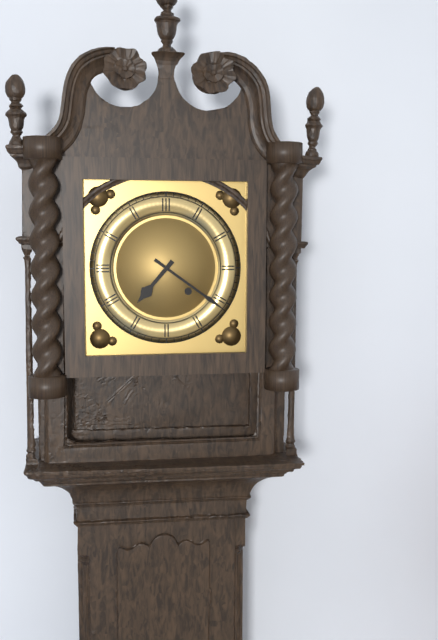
7 h 21 min
